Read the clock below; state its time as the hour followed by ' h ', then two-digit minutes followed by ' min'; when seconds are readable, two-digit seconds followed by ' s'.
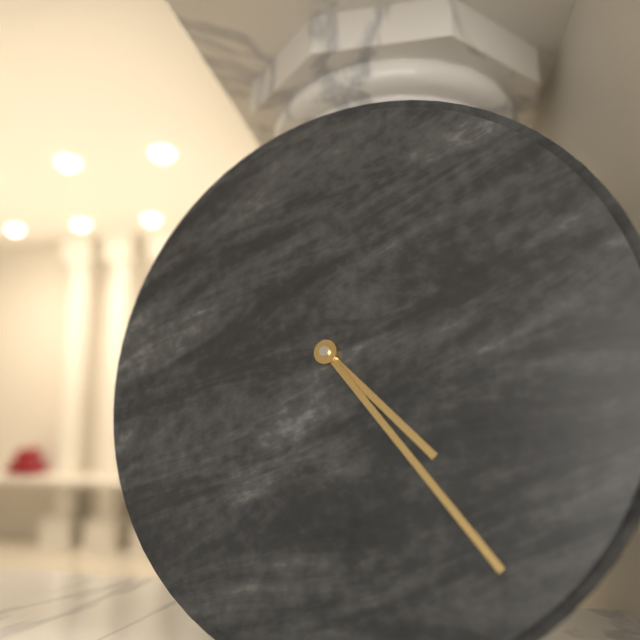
4 h 23 min
